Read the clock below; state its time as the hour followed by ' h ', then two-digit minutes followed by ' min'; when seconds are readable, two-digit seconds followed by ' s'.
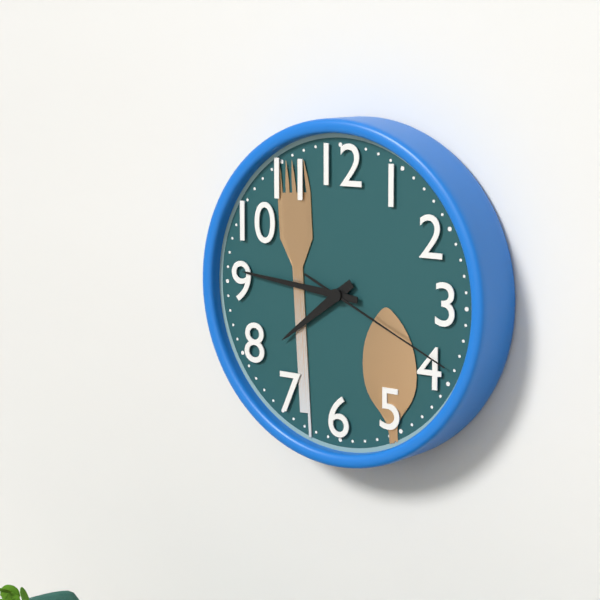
7 h 46 min 19 s
